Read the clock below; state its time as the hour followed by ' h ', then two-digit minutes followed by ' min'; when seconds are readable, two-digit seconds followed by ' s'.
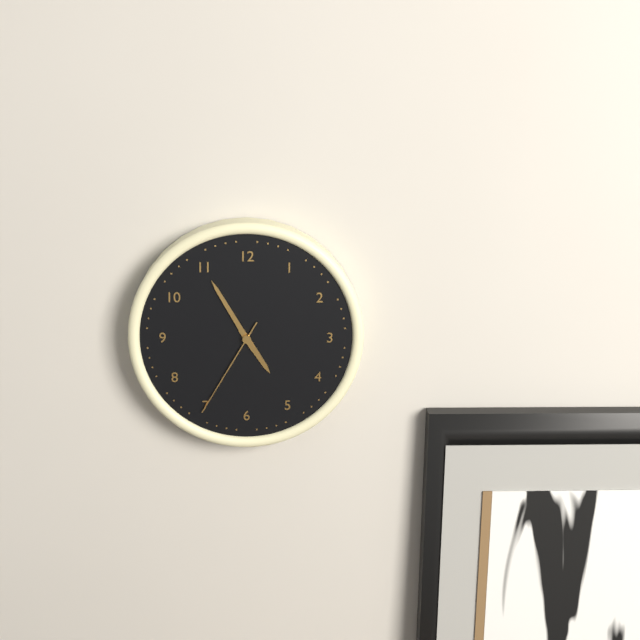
4 h 55 min 35 s
